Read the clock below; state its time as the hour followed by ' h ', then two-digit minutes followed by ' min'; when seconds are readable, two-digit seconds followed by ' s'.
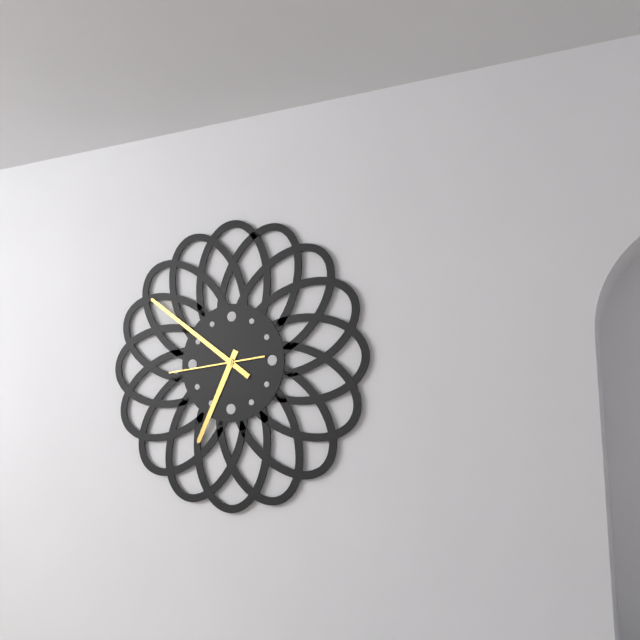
6 h 51 min 44 s
